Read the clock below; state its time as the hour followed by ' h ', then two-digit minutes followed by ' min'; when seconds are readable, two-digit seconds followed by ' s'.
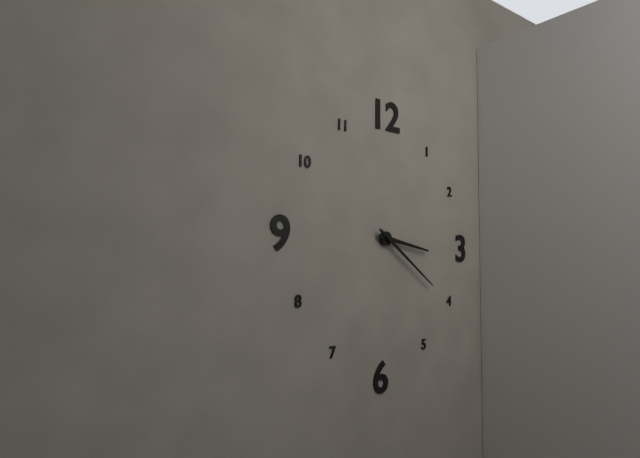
3 h 21 min
